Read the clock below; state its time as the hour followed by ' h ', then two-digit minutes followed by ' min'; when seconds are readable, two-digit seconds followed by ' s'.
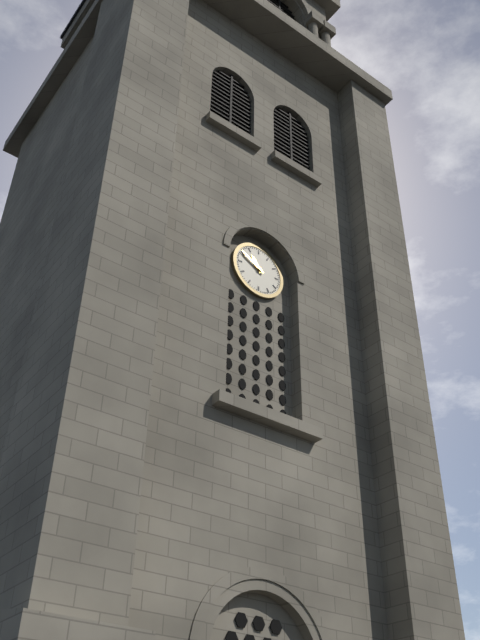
10 h 50 min
